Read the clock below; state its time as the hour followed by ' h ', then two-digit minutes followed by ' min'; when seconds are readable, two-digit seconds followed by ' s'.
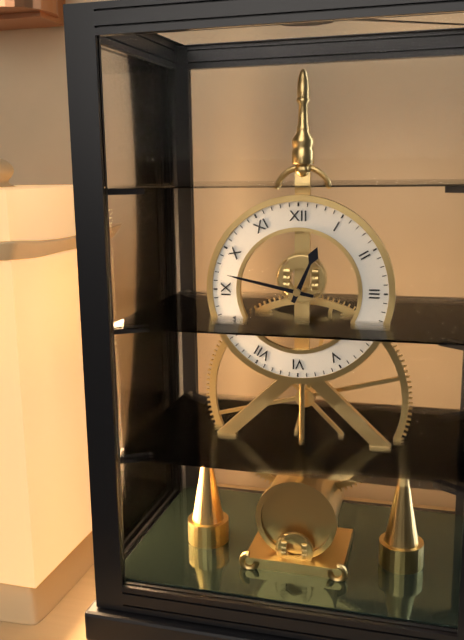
12 h 47 min
